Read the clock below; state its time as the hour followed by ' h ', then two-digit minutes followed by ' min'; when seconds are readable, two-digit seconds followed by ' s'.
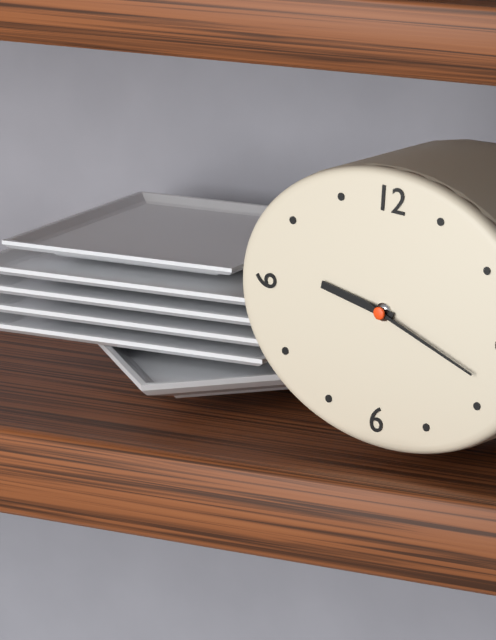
9 h 18 min
